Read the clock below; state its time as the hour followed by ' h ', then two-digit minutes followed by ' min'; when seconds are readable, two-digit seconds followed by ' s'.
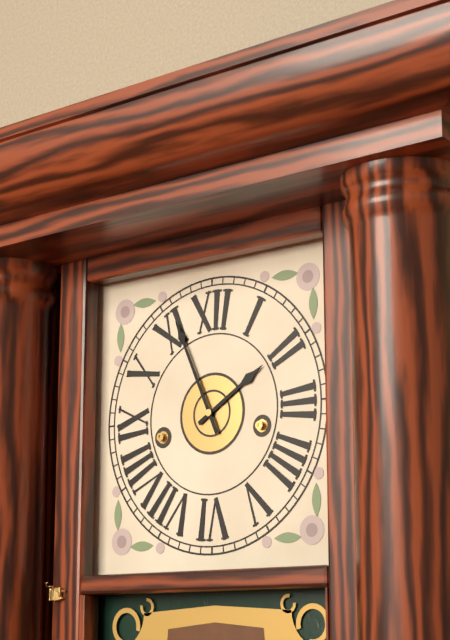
1 h 56 min
